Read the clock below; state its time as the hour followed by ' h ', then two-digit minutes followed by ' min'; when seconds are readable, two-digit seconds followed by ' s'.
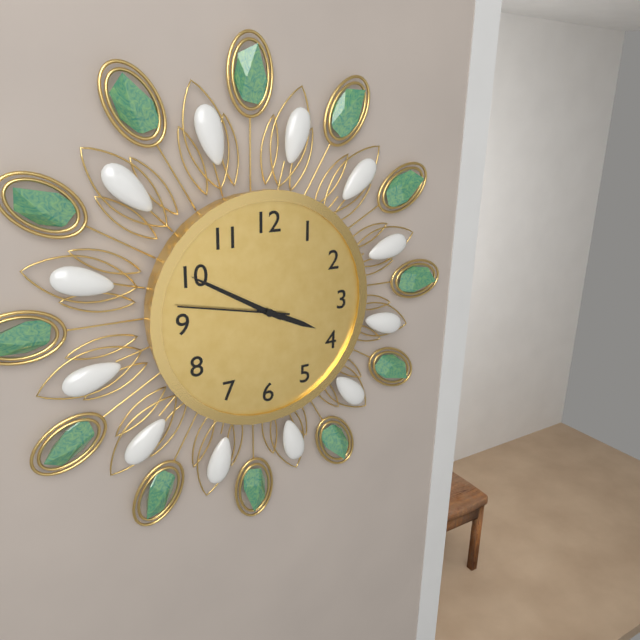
3 h 50 min 47 s
